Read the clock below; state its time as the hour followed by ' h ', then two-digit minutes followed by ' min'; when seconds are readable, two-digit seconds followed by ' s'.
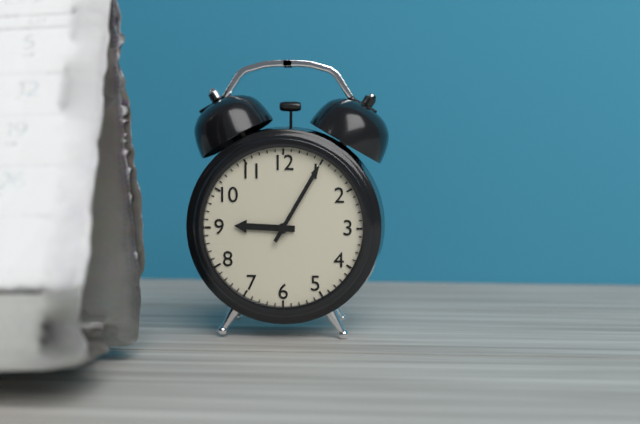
9 h 05 min
